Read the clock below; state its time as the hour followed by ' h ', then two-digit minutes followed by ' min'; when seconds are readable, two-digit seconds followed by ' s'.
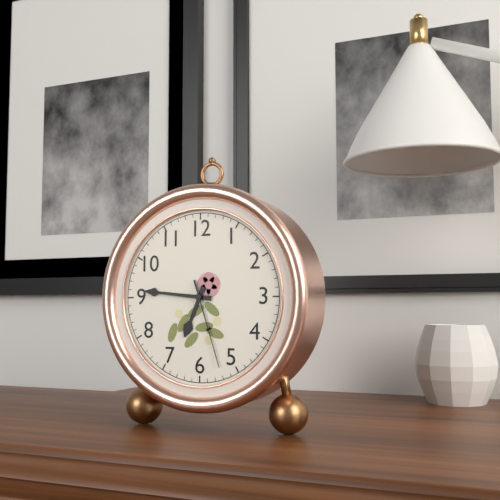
6 h 46 min 27 s
